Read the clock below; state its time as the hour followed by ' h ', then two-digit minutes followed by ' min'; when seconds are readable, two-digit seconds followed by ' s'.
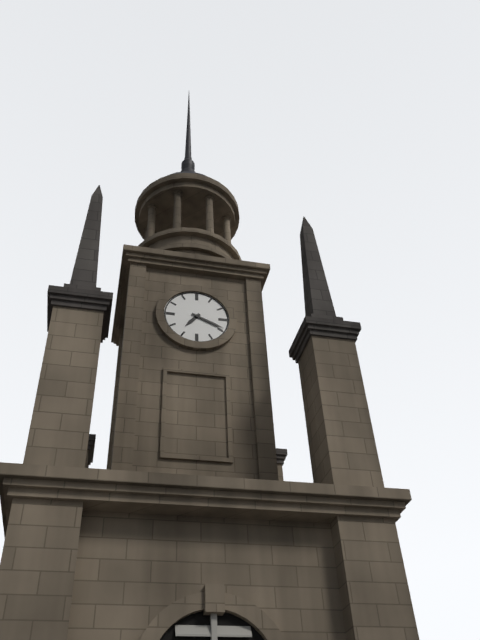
7 h 19 min
